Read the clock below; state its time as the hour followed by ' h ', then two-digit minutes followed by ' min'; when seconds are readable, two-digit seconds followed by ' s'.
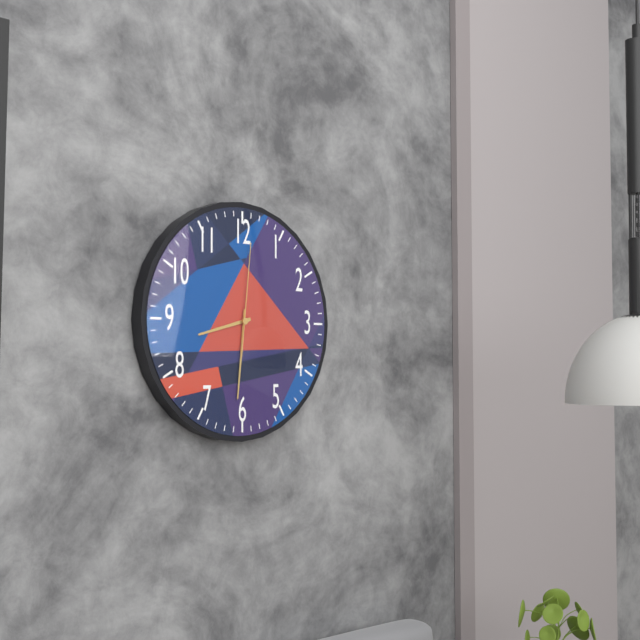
8 h 31 min 01 s
